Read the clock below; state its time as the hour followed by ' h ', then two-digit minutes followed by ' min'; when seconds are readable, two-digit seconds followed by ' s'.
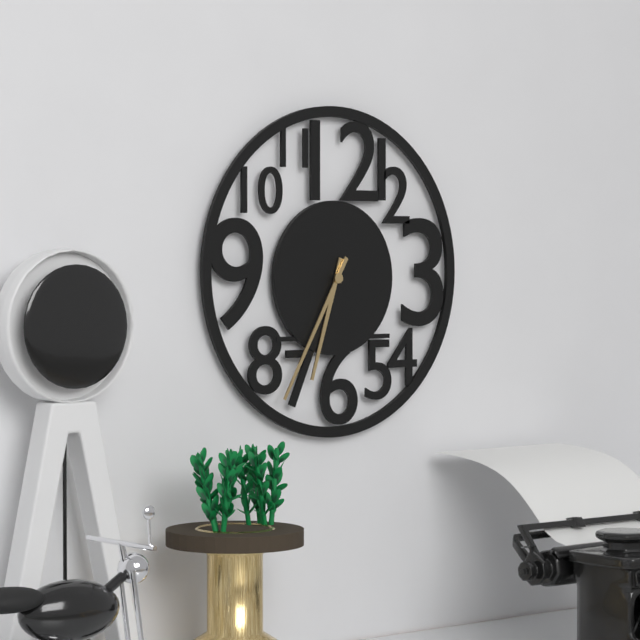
6 h 35 min
